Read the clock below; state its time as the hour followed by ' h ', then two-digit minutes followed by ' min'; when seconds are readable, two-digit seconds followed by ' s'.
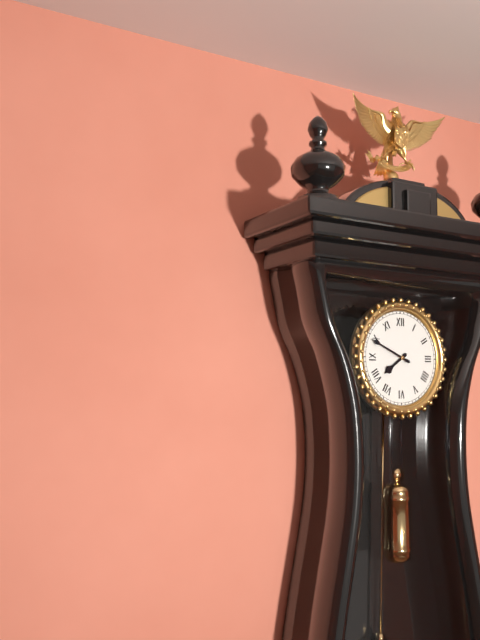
7 h 49 min
